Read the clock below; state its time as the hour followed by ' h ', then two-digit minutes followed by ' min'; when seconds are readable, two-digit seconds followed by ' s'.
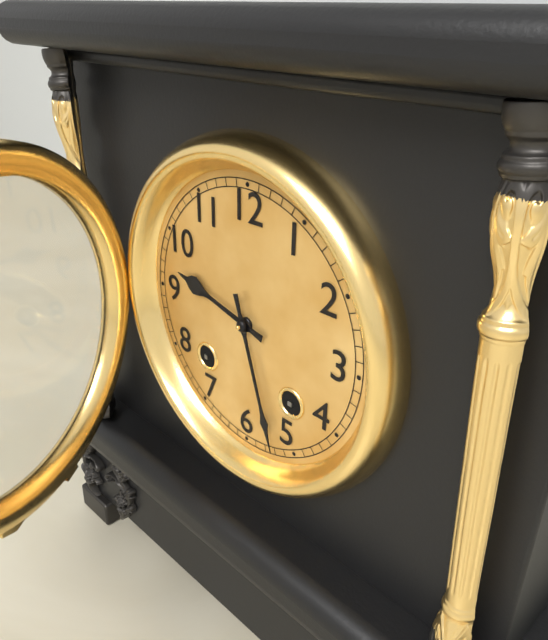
9 h 27 min
